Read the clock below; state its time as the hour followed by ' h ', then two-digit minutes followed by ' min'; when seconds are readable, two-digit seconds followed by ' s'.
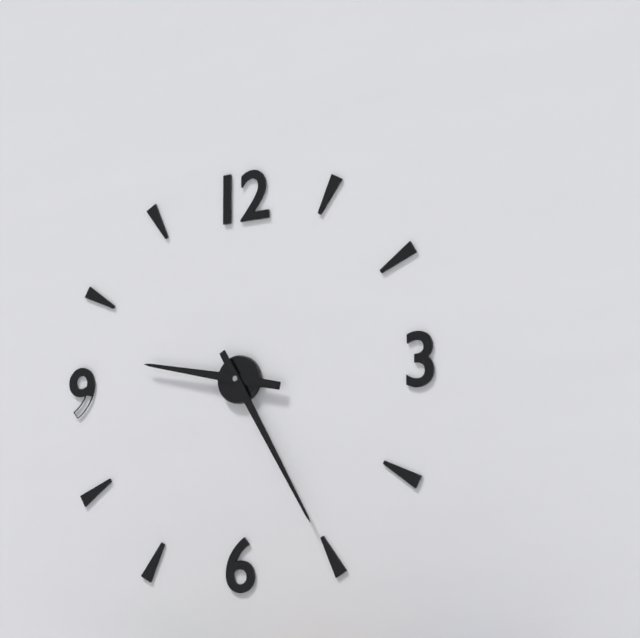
9 h 25 min
